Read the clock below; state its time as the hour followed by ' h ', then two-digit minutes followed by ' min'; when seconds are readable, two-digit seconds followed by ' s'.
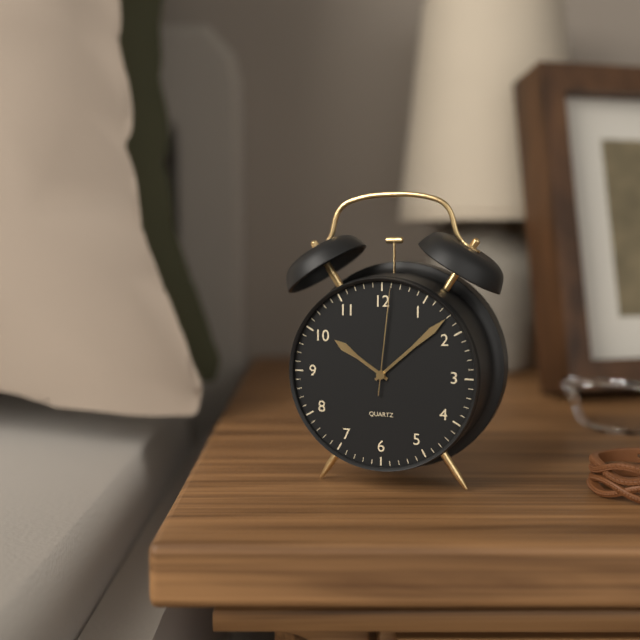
10 h 08 min 01 s
